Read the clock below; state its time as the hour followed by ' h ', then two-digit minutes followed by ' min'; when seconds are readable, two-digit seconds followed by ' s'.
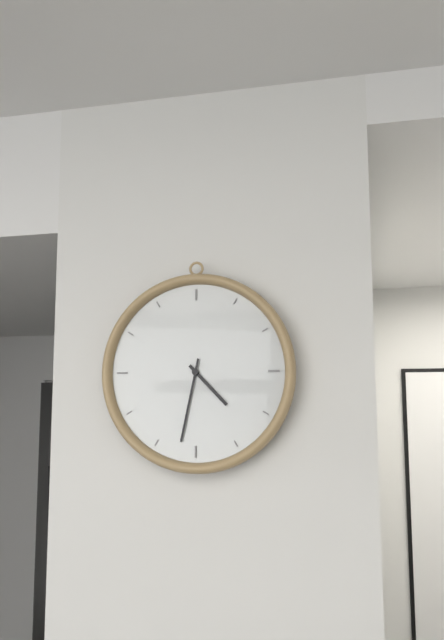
4 h 32 min
